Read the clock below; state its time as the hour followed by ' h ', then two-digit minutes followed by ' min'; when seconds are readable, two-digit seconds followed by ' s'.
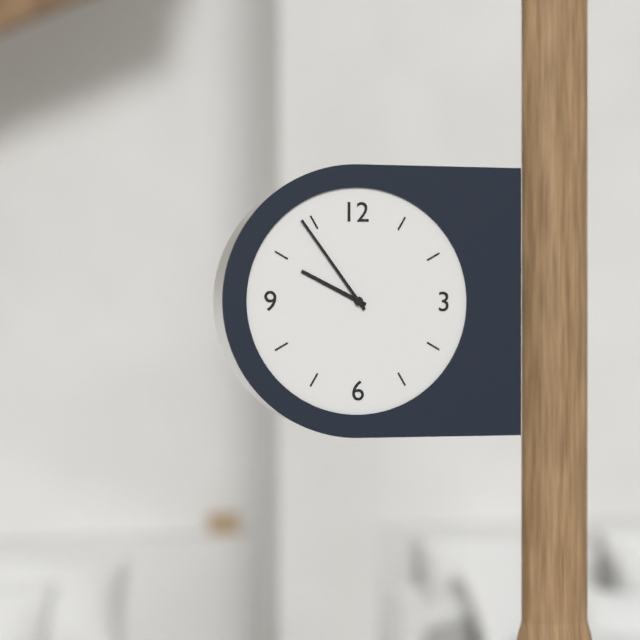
9 h 54 min
